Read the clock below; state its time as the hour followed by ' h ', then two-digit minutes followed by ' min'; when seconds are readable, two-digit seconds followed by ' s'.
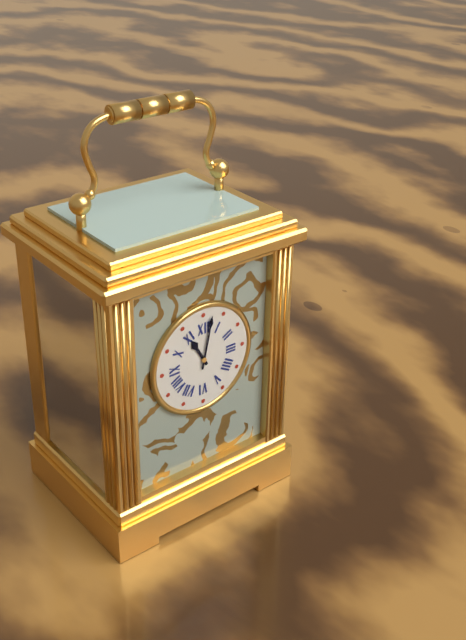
11 h 02 min
